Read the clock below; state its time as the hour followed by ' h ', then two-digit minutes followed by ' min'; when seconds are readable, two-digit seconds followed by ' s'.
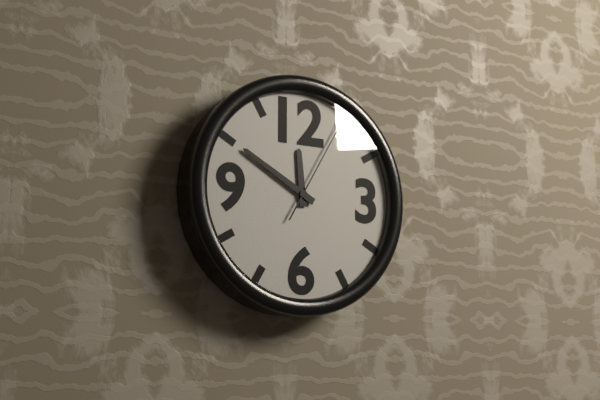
11 h 50 min 05 s
